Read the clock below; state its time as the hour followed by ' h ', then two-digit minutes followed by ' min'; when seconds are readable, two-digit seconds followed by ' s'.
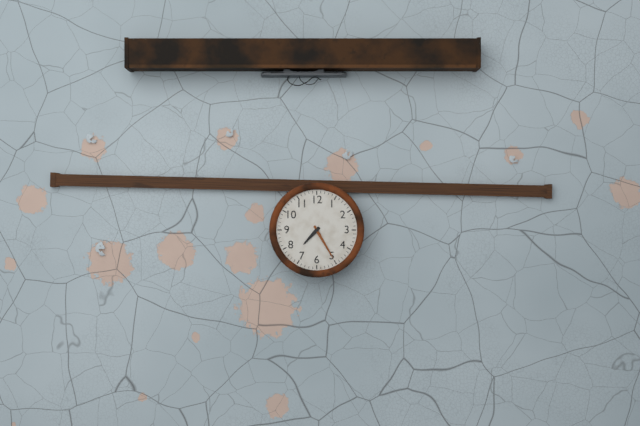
7 h 25 min
